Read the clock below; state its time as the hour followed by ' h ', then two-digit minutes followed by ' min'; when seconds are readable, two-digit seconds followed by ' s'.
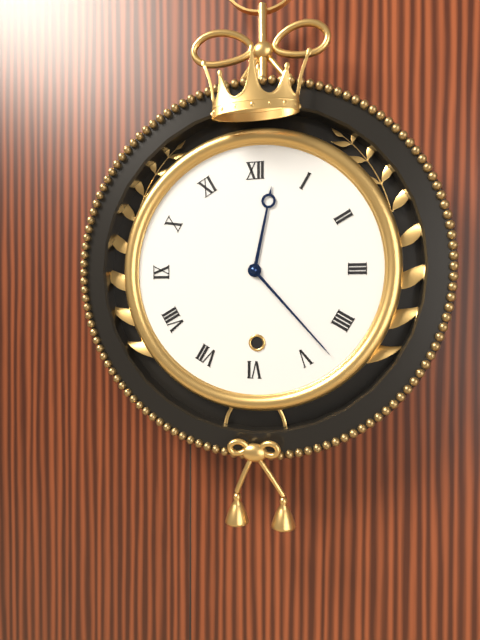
12 h 23 min
